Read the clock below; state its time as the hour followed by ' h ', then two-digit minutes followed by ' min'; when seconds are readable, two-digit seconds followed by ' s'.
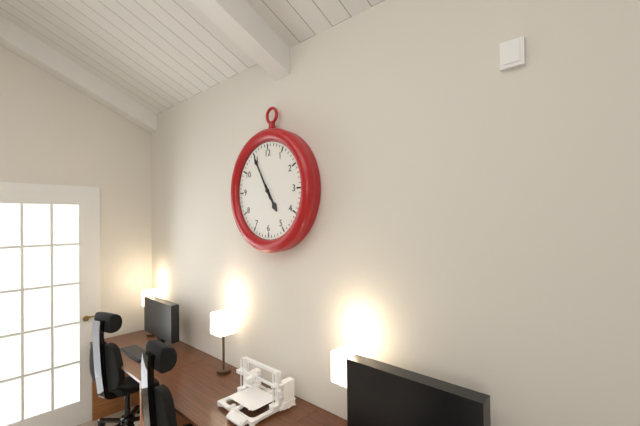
4 h 55 min
